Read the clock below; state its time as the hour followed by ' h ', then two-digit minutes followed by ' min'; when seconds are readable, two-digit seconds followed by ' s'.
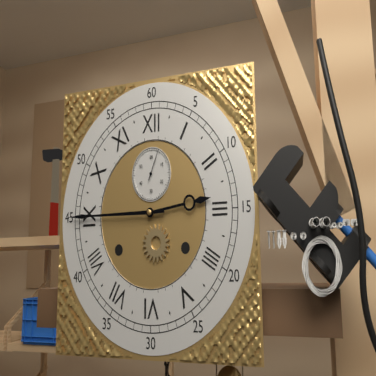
2 h 45 min
